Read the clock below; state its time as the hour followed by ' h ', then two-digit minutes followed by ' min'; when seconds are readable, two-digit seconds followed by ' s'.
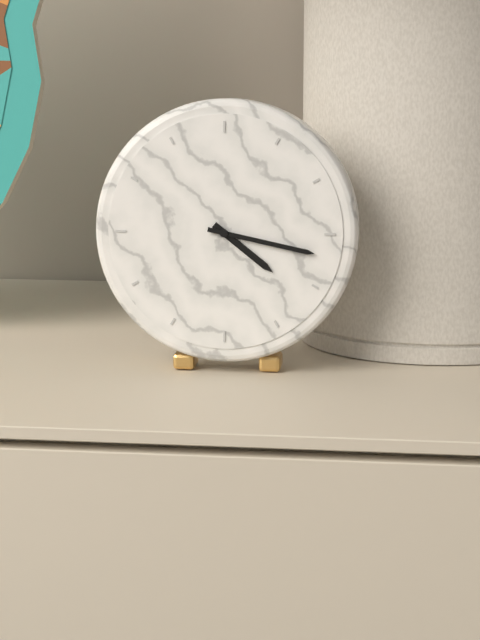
4 h 17 min
